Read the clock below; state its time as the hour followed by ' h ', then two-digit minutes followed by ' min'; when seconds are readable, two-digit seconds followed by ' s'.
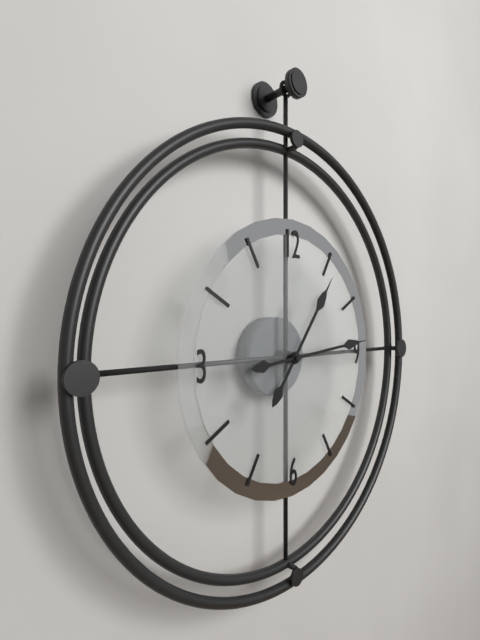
1 h 14 min
